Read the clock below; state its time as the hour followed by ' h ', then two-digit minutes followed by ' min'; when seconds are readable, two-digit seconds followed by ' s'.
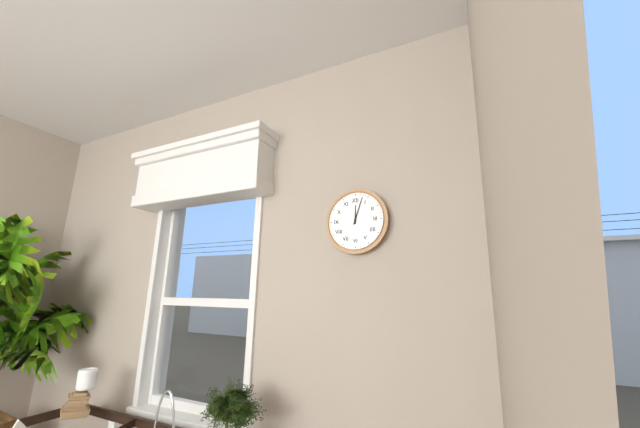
12 h 03 min
